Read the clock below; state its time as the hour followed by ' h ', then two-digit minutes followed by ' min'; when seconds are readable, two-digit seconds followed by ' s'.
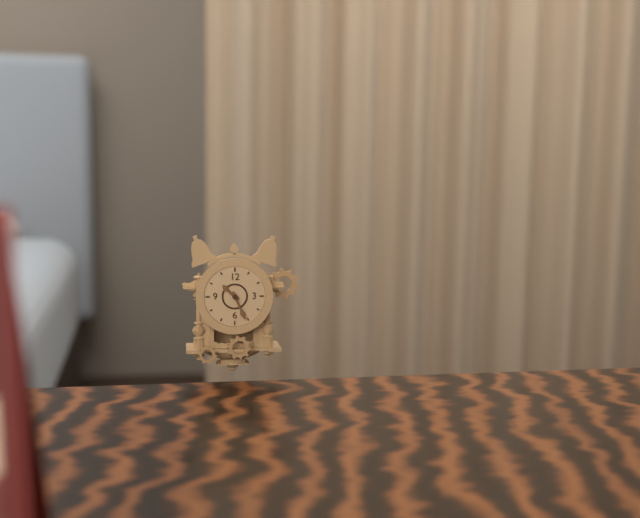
10 h 26 min
